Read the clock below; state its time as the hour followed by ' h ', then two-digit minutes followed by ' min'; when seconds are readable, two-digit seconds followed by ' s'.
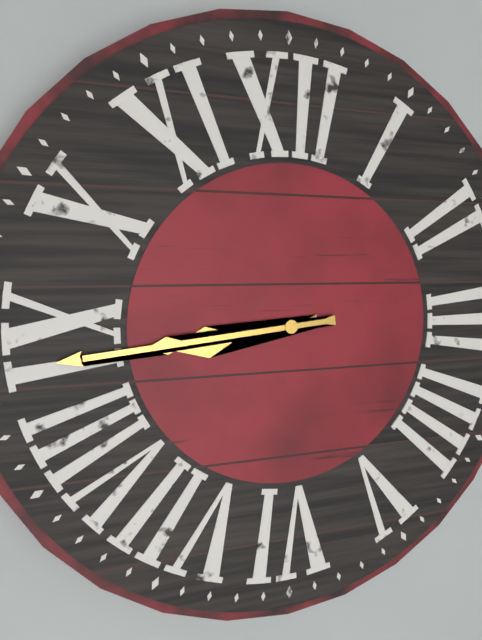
8 h 44 min
